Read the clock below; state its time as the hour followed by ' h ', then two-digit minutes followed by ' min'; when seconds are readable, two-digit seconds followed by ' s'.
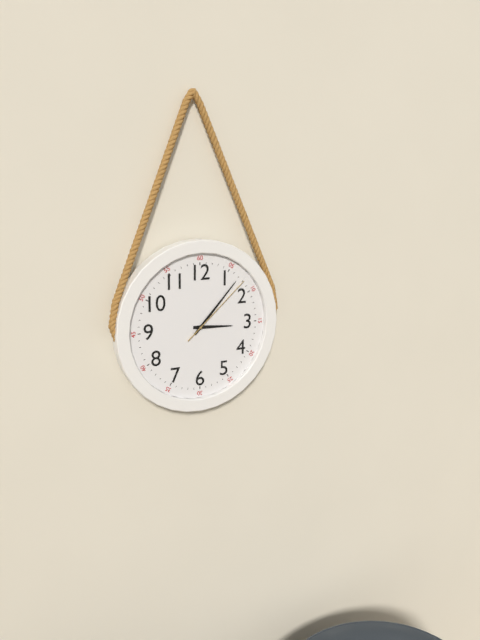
3 h 07 min 08 s
